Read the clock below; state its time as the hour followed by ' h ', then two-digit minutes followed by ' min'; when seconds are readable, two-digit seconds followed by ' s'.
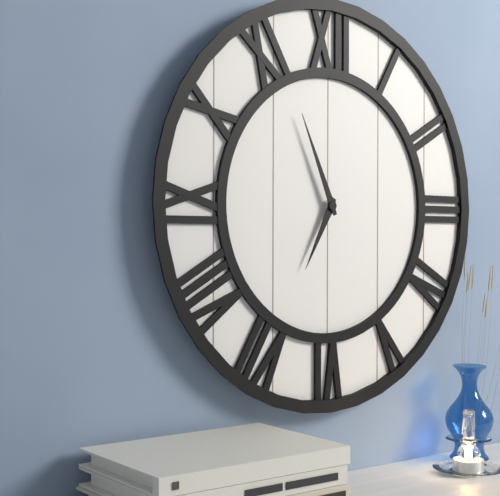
6 h 56 min
